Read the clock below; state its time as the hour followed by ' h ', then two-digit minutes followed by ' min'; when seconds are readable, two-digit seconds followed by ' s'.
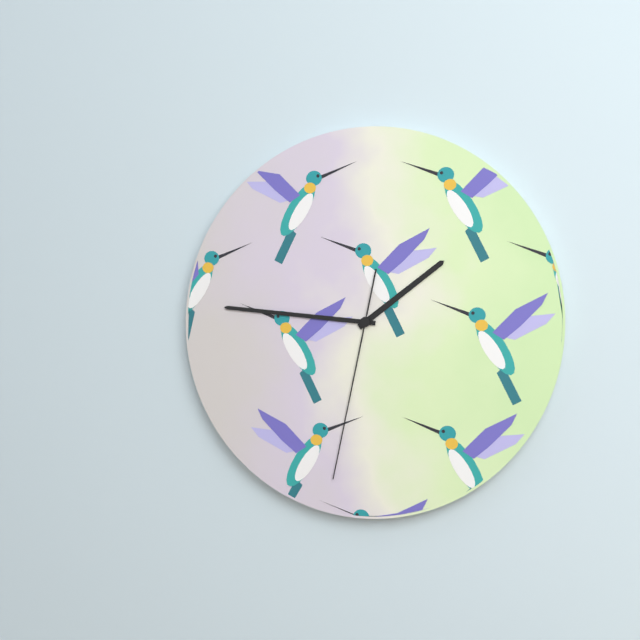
1 h 46 min 32 s
